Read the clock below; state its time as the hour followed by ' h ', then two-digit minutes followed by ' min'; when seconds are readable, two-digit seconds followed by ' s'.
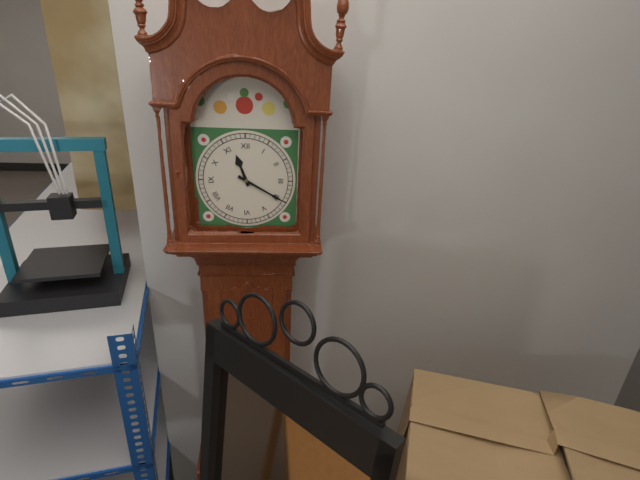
11 h 20 min
